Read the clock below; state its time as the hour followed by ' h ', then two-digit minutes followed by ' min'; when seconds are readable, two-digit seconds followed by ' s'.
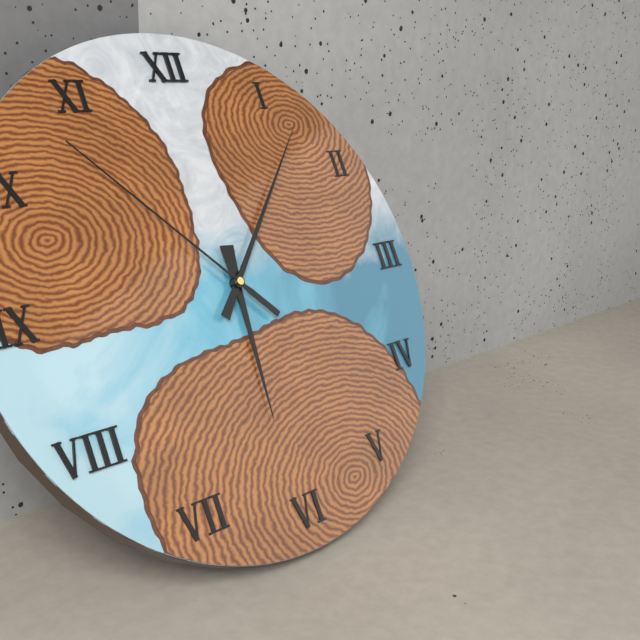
6 h 07 min 53 s
